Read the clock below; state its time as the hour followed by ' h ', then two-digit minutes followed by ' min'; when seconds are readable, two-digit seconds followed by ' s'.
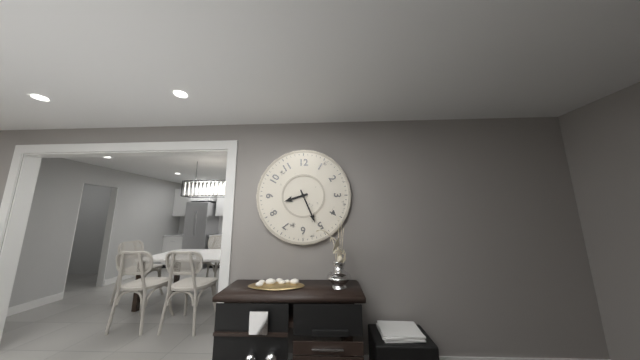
8 h 26 min
